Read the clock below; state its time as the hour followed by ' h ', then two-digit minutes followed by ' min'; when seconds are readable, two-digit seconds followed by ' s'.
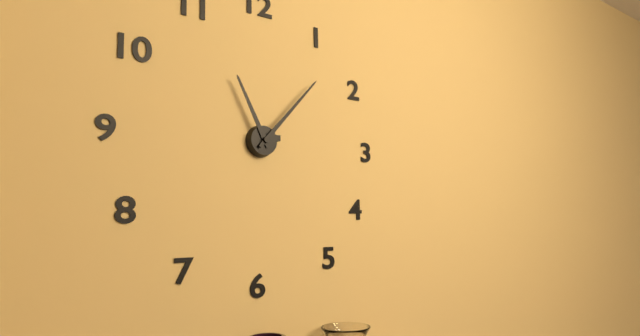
11 h 07 min
